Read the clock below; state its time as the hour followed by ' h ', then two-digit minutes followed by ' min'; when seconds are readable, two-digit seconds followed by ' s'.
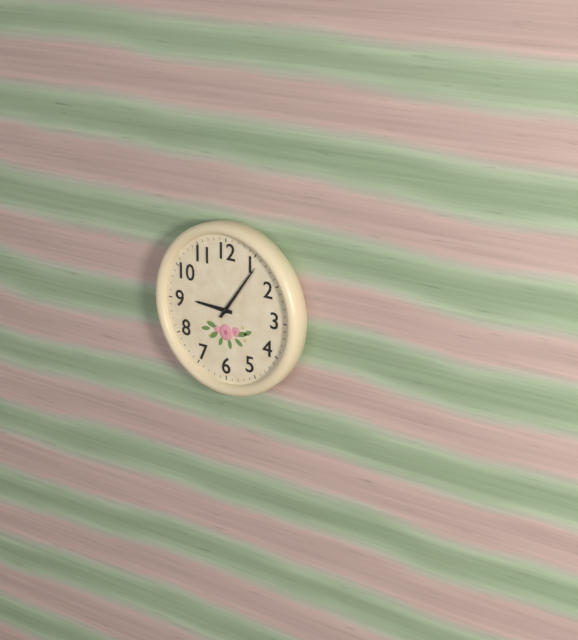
9 h 06 min
